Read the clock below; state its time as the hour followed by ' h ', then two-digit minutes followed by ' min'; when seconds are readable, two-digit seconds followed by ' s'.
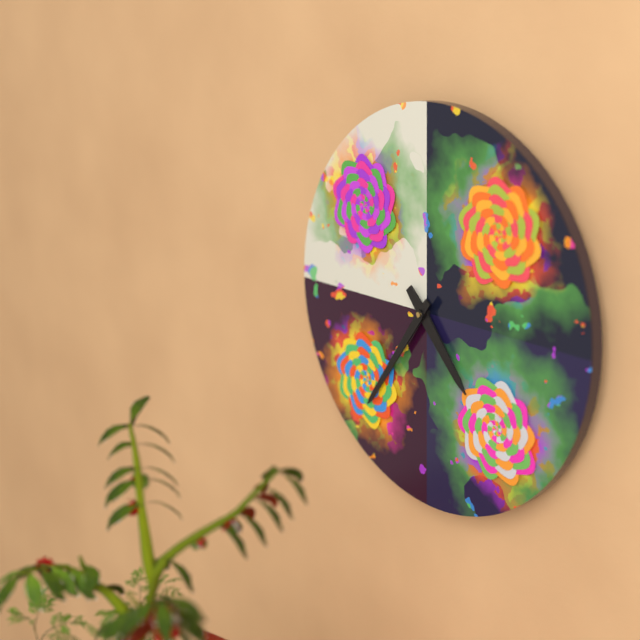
4 h 36 min
